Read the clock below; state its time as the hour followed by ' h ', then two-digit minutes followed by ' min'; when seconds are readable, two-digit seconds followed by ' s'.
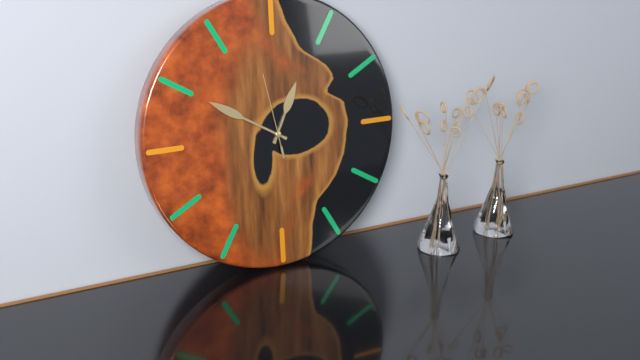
12 h 50 min 58 s
